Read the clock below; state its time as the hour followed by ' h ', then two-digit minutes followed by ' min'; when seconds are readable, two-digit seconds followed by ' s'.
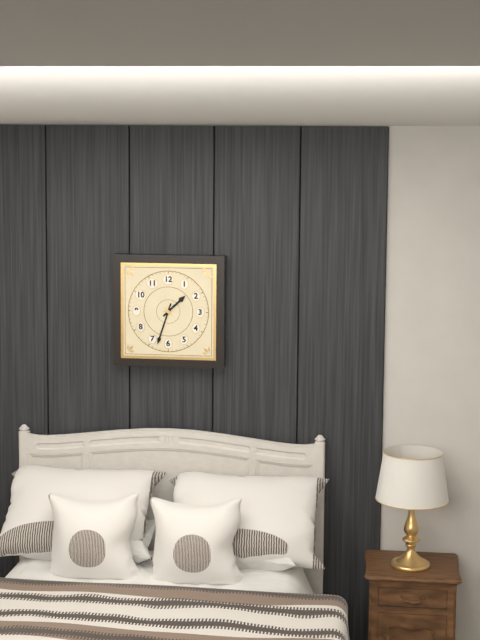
1 h 33 min
